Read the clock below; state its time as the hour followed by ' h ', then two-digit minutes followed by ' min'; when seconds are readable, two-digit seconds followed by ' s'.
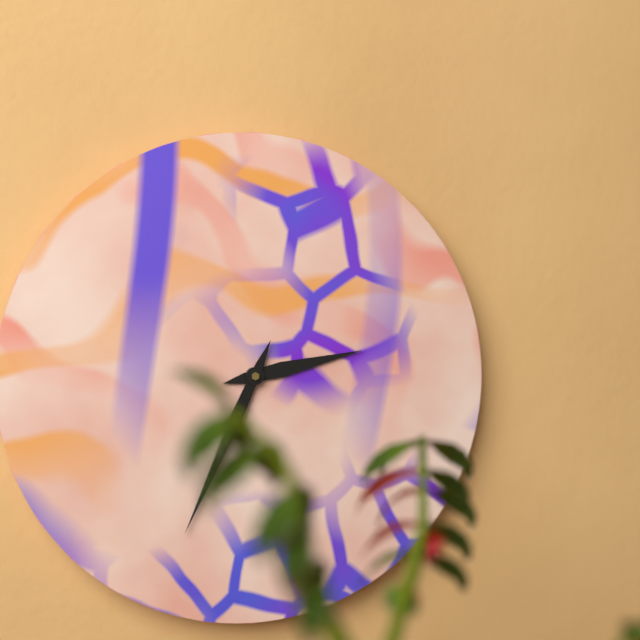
2 h 34 min
